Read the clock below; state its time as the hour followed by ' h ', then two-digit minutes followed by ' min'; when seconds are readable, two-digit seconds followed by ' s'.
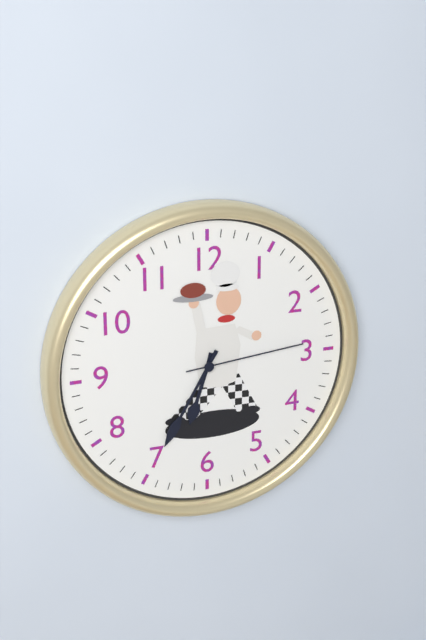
6 h 35 min 14 s
